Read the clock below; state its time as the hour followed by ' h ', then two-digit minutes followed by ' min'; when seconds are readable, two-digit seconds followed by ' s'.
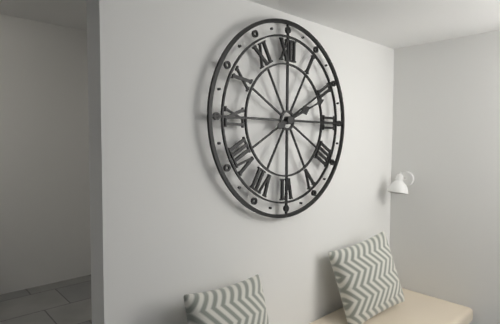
2 h 11 min
